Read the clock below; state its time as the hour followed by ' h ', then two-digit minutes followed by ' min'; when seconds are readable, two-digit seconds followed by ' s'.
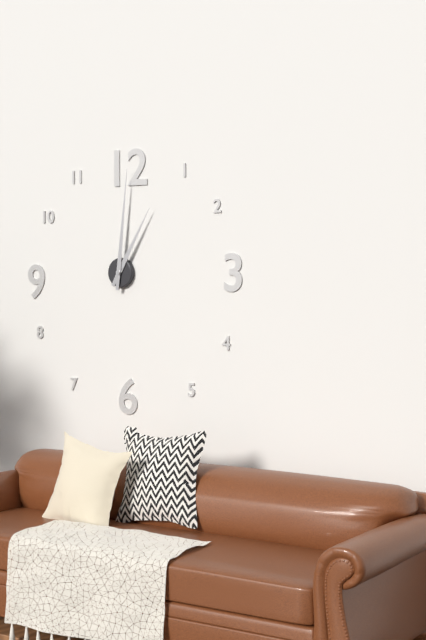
1 h 01 min
